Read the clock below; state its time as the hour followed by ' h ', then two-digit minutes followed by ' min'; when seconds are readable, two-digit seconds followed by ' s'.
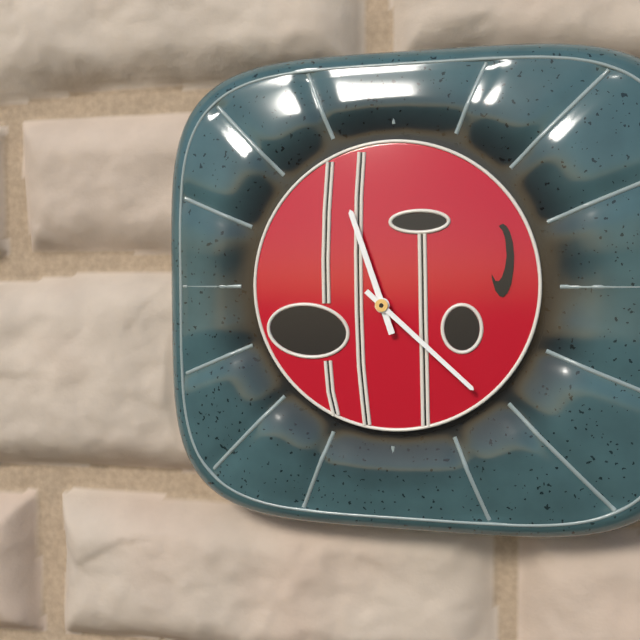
11 h 22 min
